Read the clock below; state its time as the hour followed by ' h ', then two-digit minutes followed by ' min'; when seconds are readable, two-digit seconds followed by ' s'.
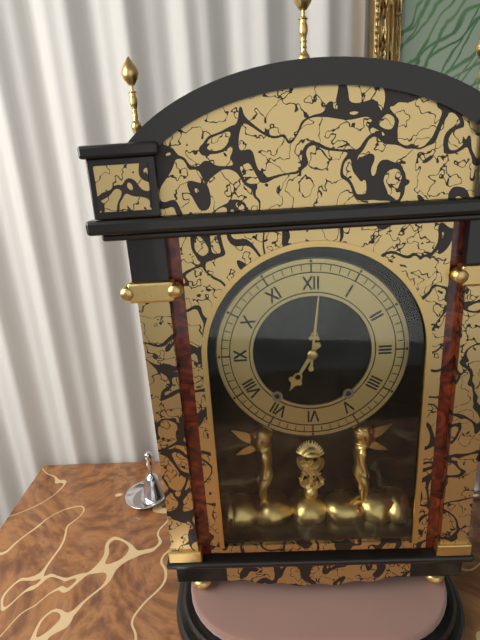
7 h 01 min
